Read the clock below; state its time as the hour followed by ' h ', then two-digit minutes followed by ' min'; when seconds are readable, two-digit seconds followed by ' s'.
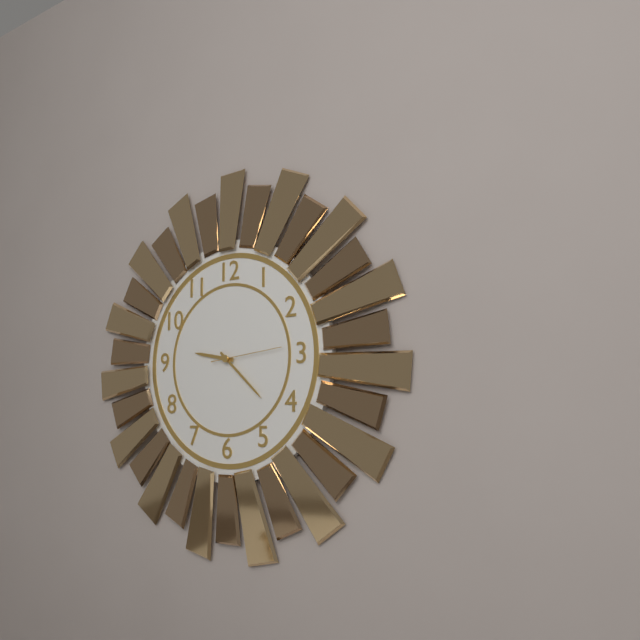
9 h 22 min 14 s
